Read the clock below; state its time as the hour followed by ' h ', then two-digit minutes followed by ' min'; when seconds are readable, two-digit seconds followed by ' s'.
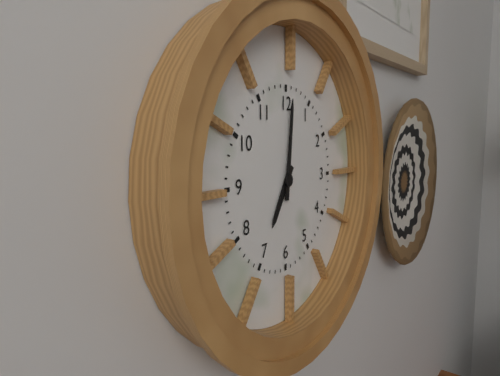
7 h 01 min
